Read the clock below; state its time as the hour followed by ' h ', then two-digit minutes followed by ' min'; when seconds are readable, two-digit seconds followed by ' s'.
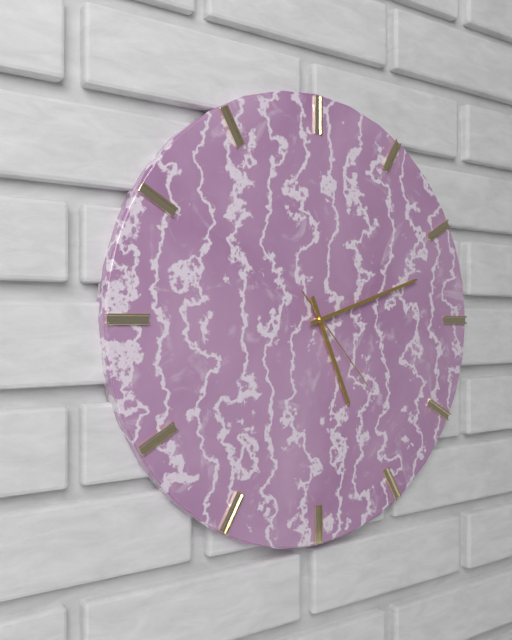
5 h 12 min 23 s
